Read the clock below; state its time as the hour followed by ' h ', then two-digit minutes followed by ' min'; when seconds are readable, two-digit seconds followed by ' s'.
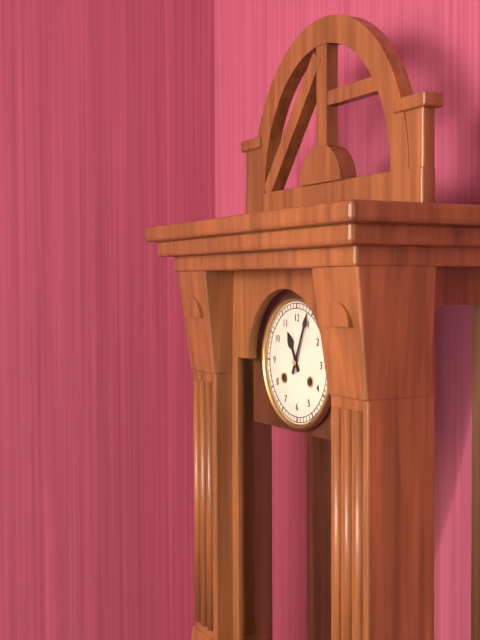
11 h 04 min
